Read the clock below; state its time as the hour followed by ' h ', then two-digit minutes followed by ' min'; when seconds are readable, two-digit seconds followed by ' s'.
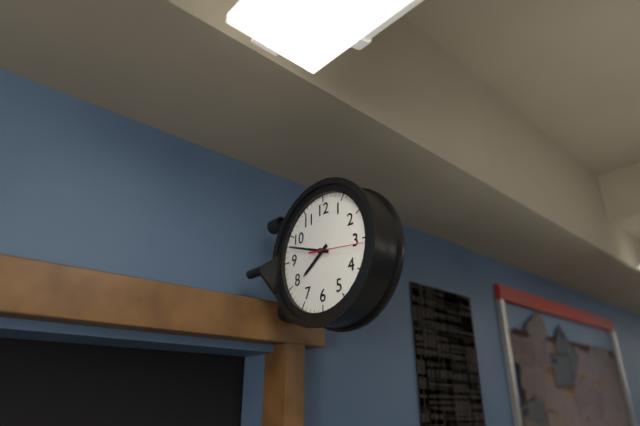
7 h 48 min 16 s
